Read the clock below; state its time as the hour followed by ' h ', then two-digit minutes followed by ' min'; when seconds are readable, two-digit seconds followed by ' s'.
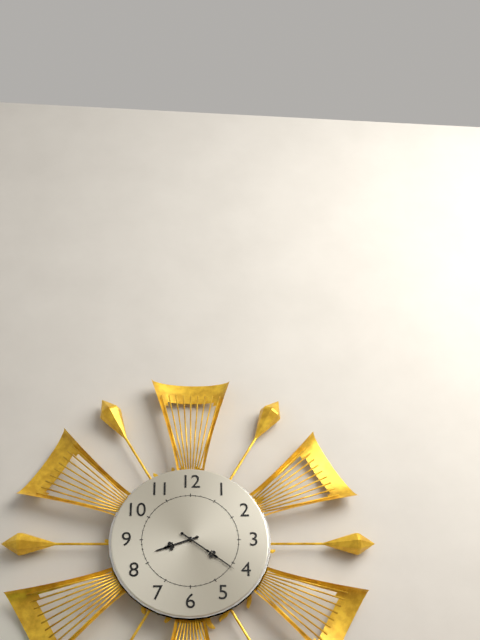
8 h 21 min
